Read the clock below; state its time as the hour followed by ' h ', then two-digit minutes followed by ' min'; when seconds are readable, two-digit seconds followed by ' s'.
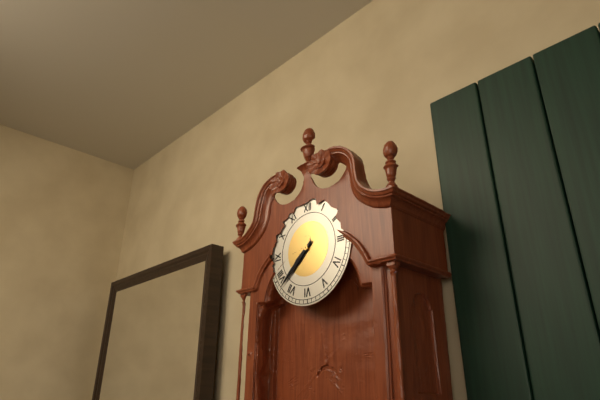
7 h 38 min
